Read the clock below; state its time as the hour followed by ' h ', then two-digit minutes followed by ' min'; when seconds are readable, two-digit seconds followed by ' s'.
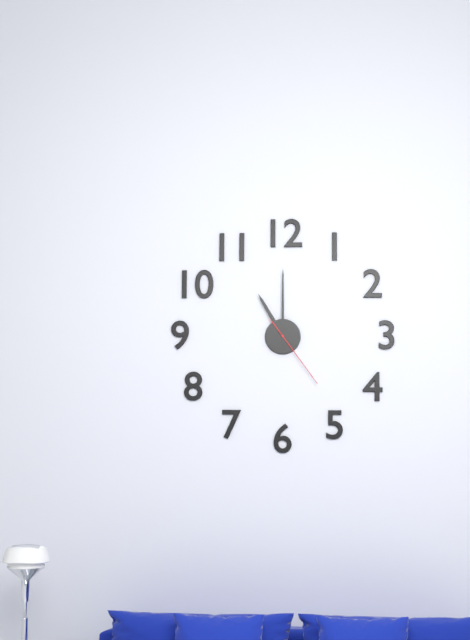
11 h 00 min 24 s
